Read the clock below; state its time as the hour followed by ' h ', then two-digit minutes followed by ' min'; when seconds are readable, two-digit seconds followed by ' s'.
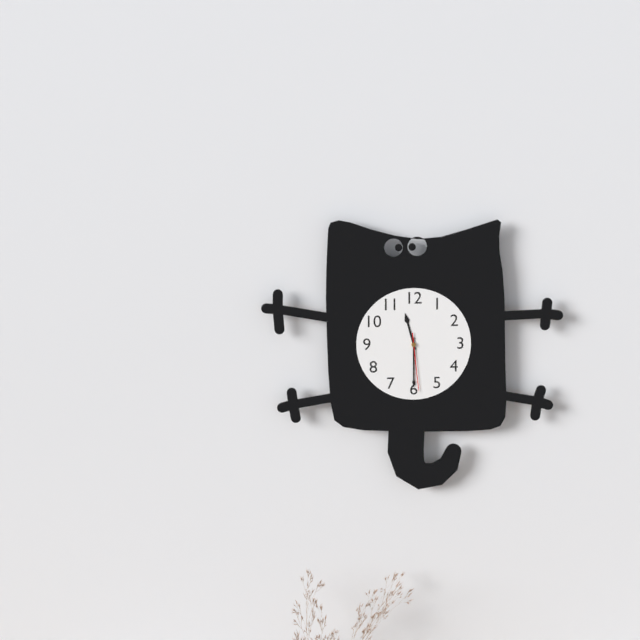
11 h 30 min 29 s
